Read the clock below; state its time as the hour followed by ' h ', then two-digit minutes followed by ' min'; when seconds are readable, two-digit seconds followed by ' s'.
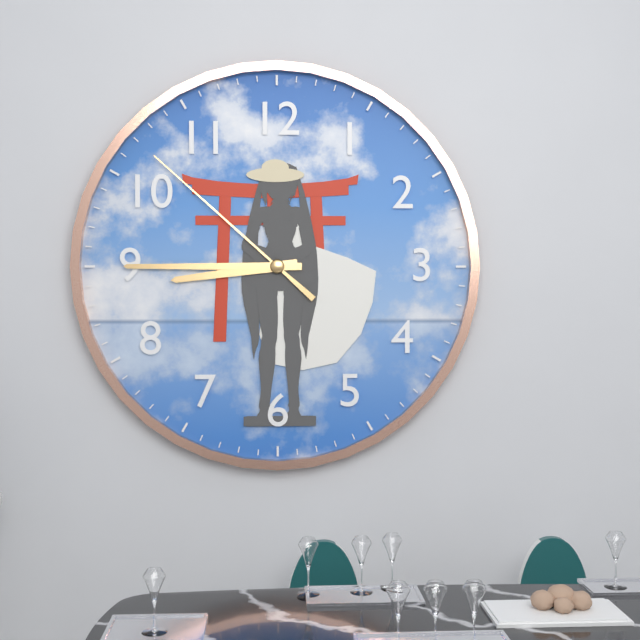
8 h 45 min 52 s
